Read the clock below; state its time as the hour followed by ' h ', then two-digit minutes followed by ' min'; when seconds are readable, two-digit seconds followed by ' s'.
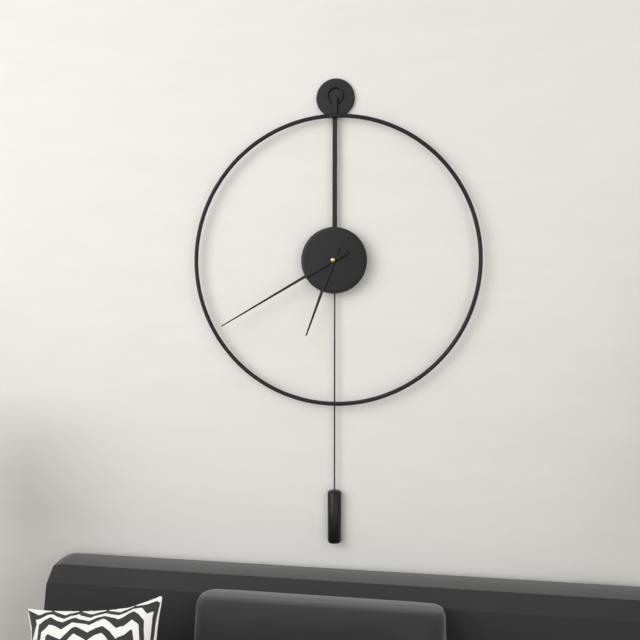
6 h 40 min
